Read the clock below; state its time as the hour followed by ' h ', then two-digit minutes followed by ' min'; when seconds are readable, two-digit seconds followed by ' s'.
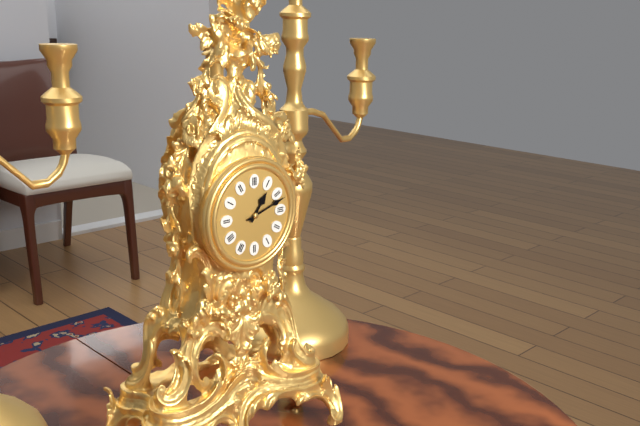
1 h 12 min
